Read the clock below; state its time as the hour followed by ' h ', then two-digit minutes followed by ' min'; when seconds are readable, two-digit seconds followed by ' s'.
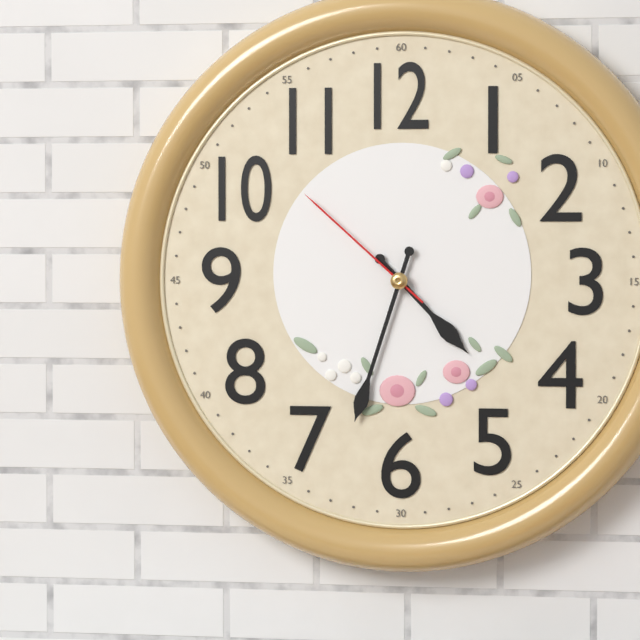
4 h 33 min 52 s
